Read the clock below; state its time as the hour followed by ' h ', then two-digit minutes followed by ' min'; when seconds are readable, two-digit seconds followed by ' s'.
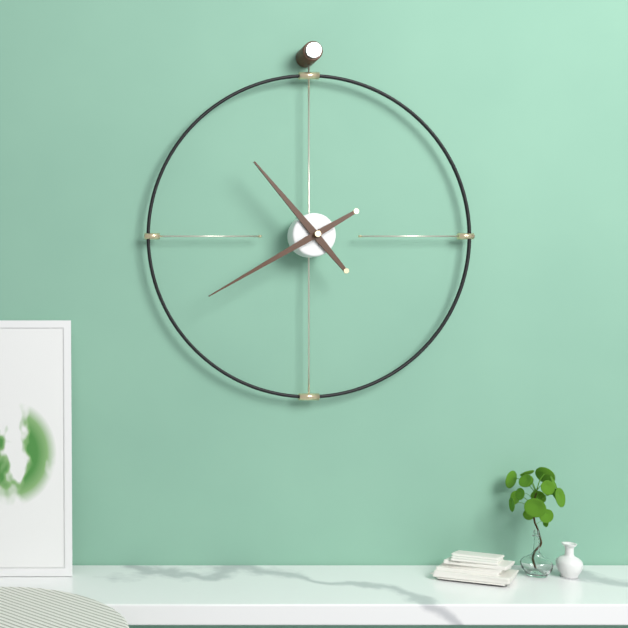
10 h 40 min
